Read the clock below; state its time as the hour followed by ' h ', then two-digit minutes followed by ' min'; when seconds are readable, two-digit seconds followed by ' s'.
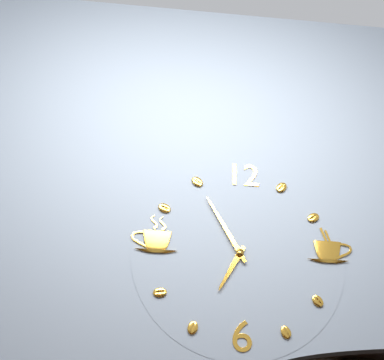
6 h 55 min
